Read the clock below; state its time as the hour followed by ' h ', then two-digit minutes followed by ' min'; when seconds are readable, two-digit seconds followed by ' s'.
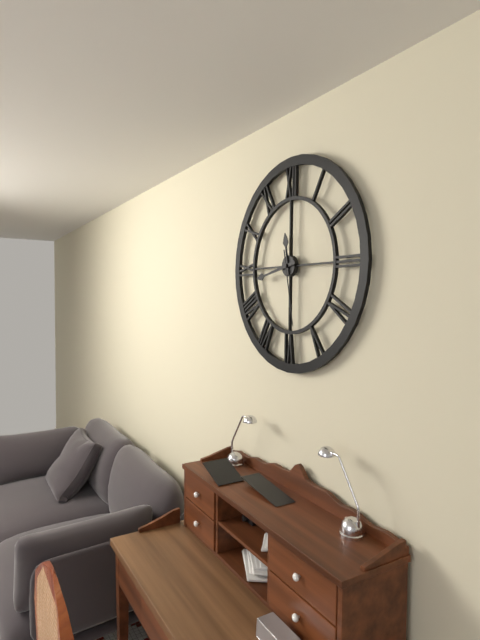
11 h 43 min 28 s
